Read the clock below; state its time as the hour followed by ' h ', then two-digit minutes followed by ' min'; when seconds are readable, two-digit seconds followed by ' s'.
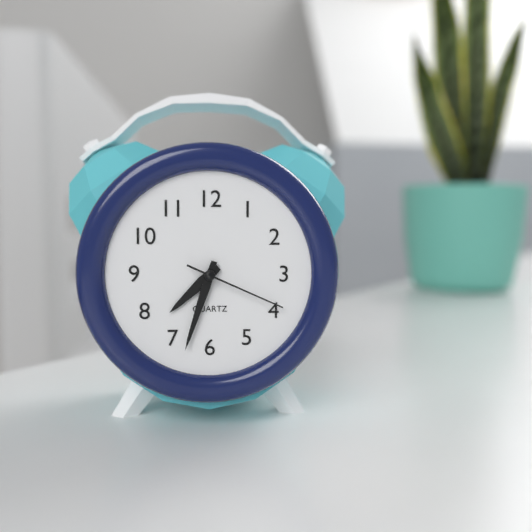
7 h 33 min 19 s
